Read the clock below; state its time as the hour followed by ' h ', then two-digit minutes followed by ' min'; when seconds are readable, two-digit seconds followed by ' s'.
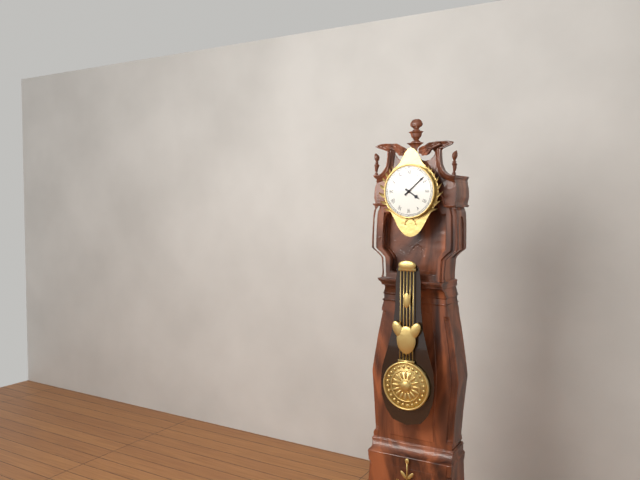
4 h 08 min
